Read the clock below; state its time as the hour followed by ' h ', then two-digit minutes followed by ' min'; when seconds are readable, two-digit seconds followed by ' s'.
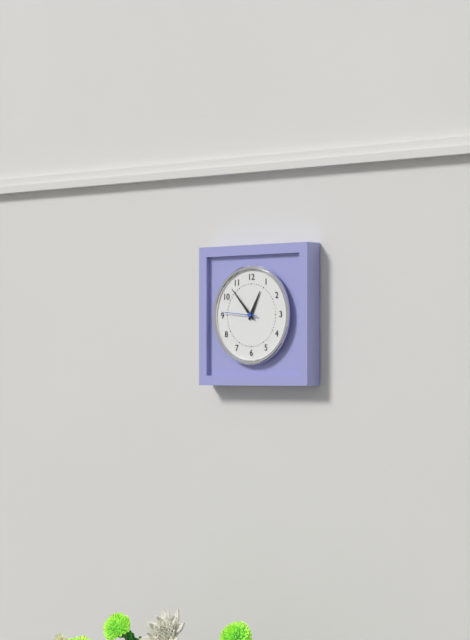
12 h 53 min
